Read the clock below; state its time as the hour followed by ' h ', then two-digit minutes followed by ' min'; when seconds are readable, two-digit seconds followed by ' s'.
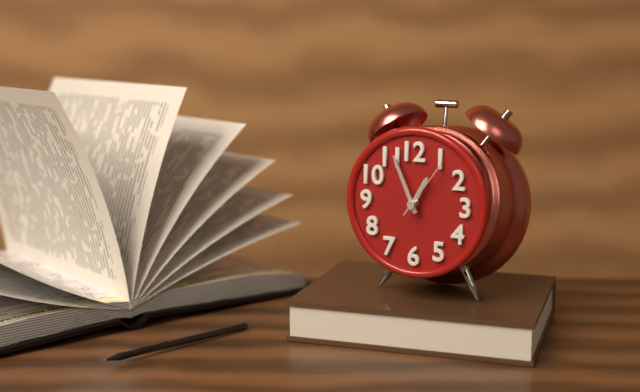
12 h 56 min 06 s
